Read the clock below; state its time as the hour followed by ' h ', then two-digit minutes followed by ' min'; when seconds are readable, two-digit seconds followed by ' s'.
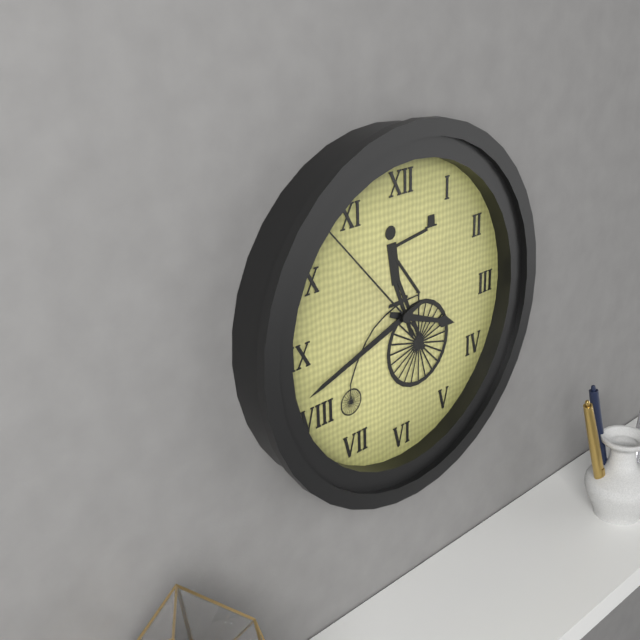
3 h 42 min 53 s
